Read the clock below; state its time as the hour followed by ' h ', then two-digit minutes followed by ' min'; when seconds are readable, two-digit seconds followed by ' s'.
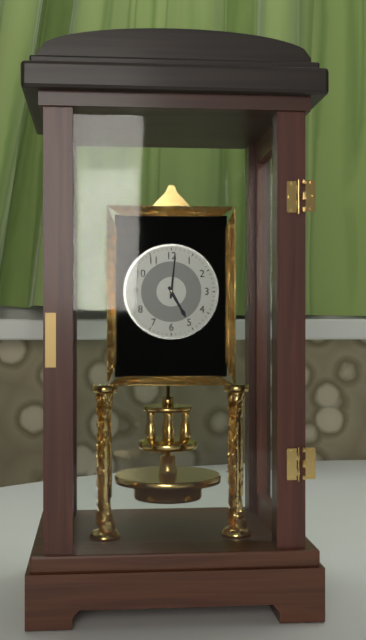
5 h 01 min
